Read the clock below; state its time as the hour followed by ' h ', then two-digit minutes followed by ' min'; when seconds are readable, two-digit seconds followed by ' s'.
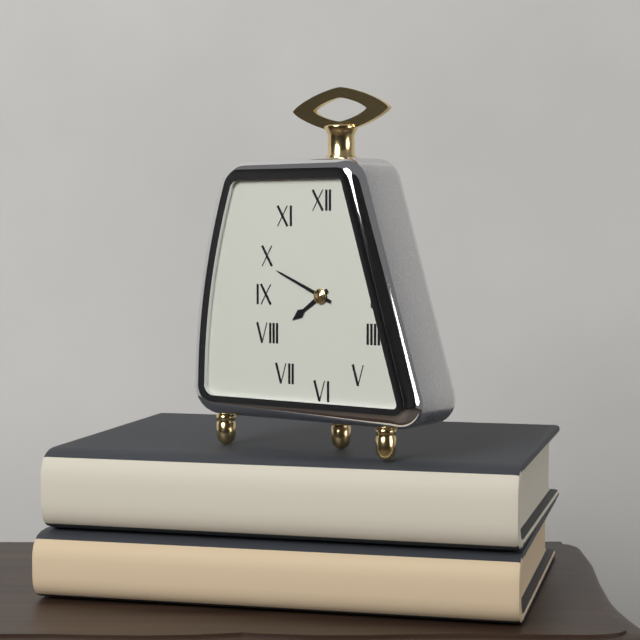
7 h 49 min
